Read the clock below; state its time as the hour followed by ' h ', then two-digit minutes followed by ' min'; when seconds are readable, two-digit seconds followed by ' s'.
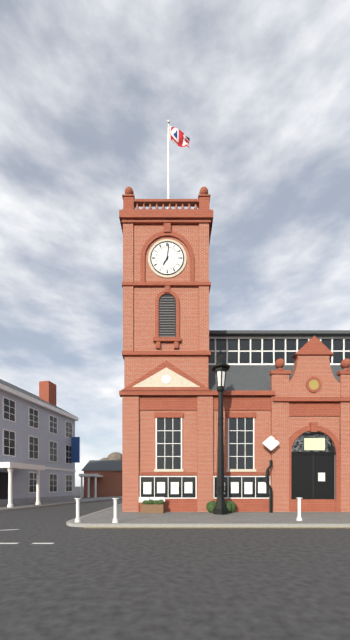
7 h 01 min
